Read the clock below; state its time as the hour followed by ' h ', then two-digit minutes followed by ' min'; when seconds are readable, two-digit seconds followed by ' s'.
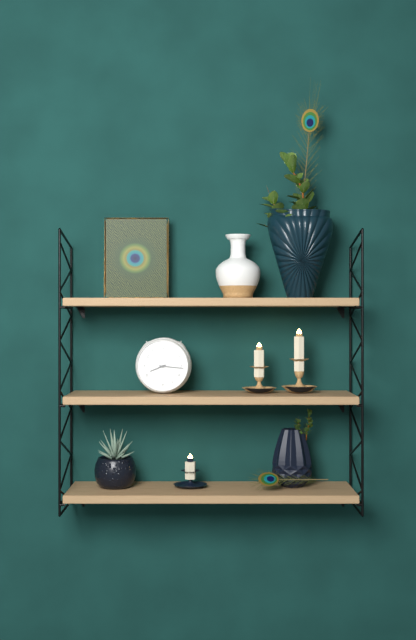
8 h 16 min
